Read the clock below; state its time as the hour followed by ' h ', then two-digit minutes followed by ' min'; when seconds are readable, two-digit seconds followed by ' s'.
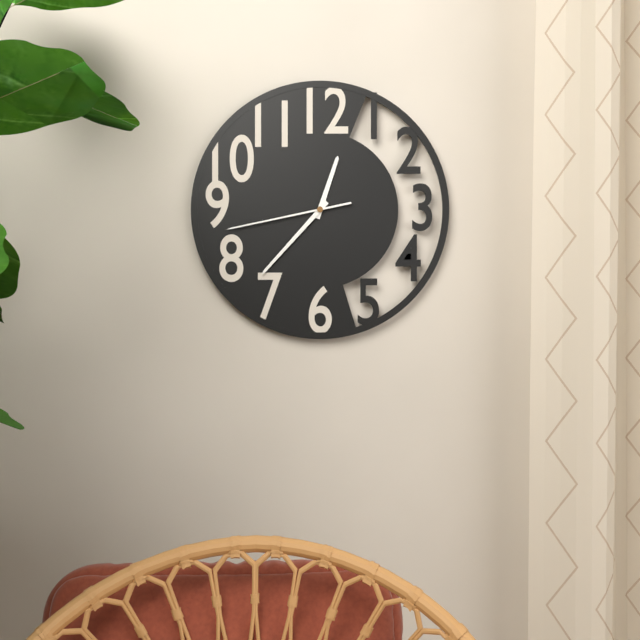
12 h 37 min 43 s
